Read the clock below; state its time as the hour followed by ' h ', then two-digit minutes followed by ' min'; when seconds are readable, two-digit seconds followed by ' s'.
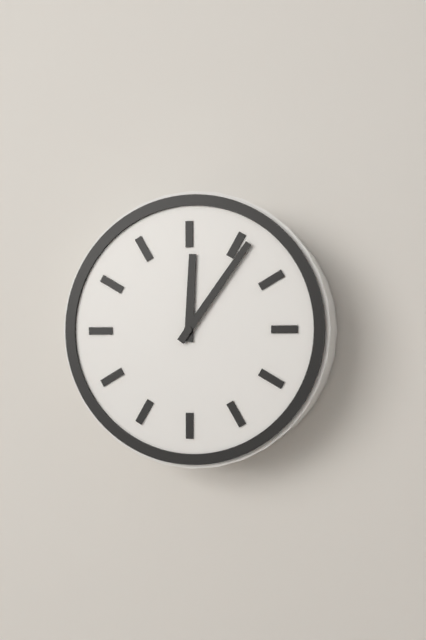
12 h 06 min
